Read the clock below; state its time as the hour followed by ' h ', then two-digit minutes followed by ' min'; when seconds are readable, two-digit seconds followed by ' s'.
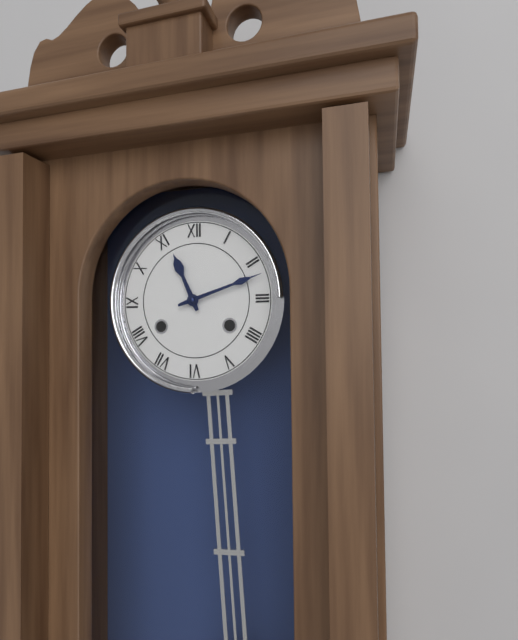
11 h 12 min
